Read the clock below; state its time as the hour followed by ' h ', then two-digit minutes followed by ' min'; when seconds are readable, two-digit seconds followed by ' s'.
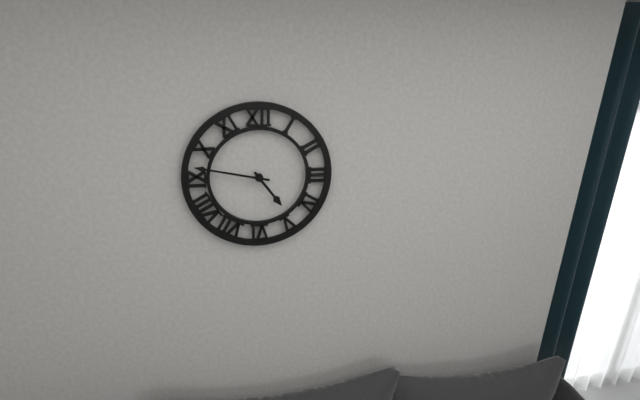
4 h 47 min
